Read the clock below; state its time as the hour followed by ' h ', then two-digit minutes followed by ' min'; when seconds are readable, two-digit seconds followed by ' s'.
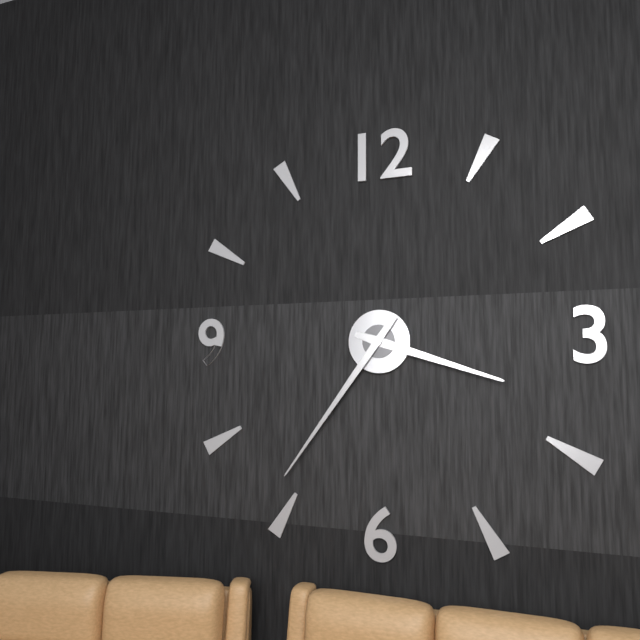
3 h 36 min
